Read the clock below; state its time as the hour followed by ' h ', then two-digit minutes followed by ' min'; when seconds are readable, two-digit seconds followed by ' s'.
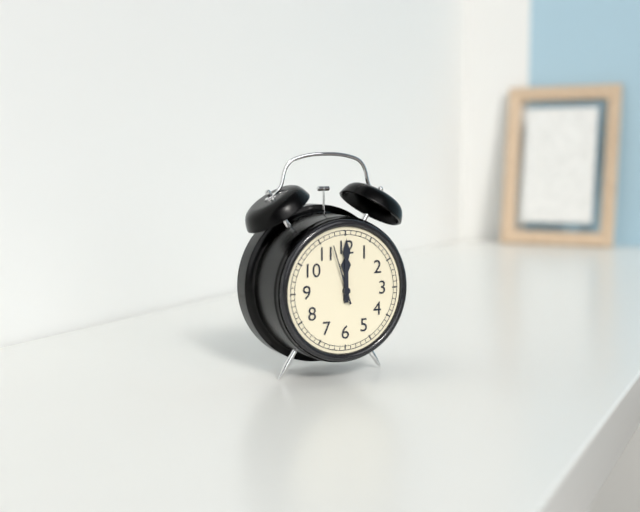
12 h 00 min 57 s
